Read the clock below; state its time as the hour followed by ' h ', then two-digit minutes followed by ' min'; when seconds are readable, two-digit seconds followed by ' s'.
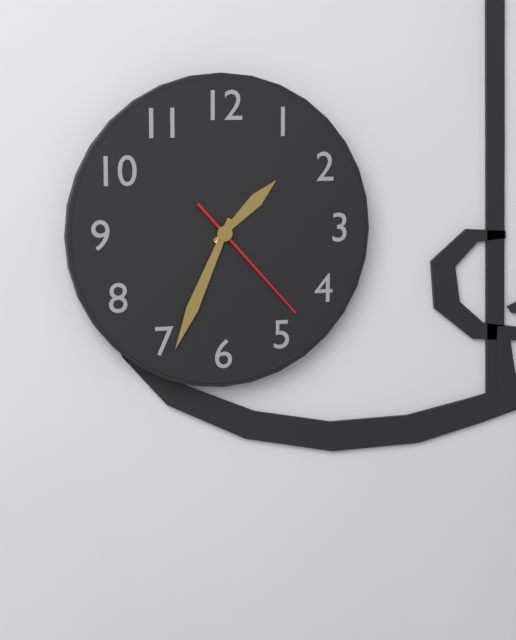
1 h 34 min 23 s
